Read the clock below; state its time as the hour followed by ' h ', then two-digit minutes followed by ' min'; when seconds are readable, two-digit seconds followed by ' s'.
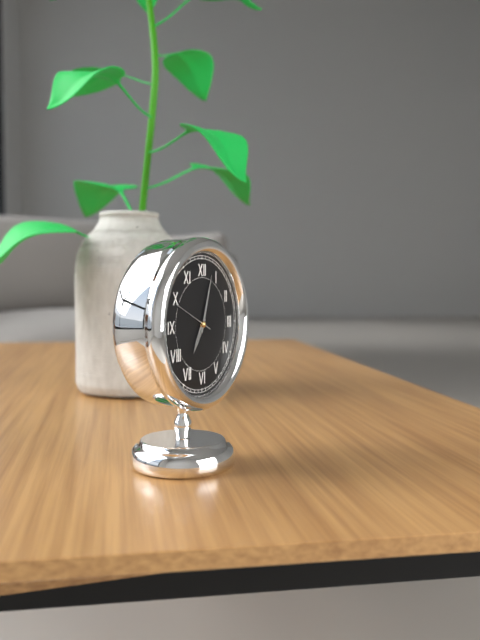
7 h 03 min
